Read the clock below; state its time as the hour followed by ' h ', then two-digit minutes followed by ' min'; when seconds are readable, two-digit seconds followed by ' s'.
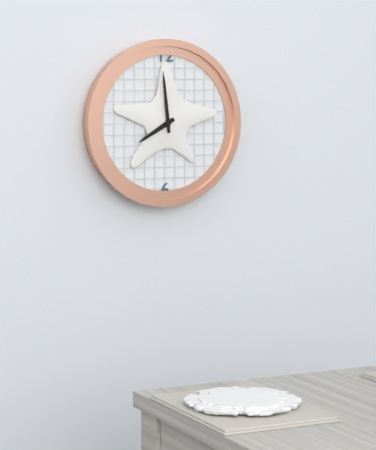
7 h 59 min
